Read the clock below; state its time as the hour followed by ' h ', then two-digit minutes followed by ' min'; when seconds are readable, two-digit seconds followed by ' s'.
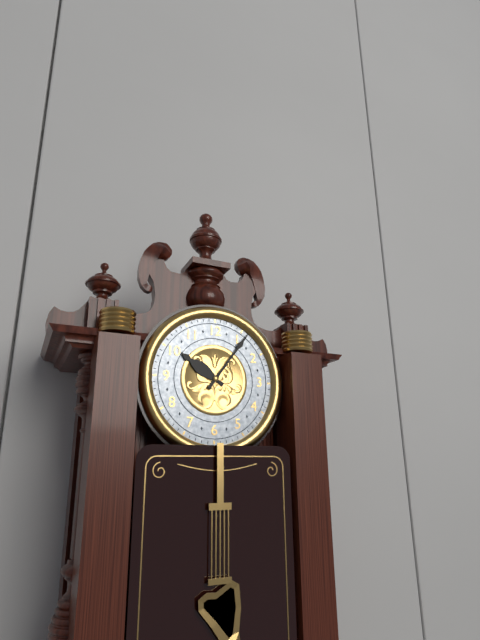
10 h 06 min
